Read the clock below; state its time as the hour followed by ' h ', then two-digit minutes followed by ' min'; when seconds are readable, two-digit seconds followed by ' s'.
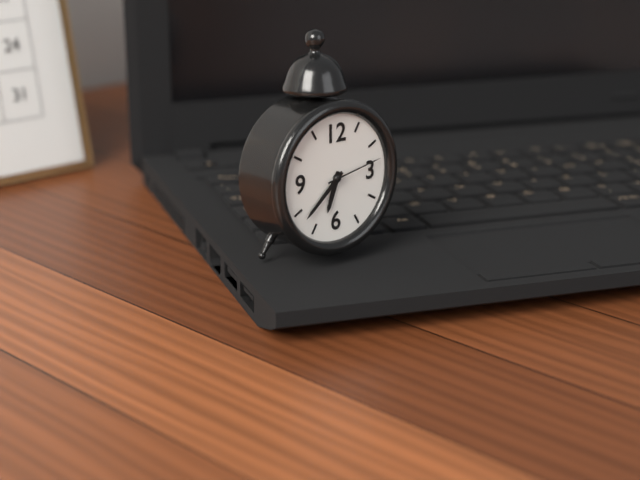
6 h 38 min 13 s
